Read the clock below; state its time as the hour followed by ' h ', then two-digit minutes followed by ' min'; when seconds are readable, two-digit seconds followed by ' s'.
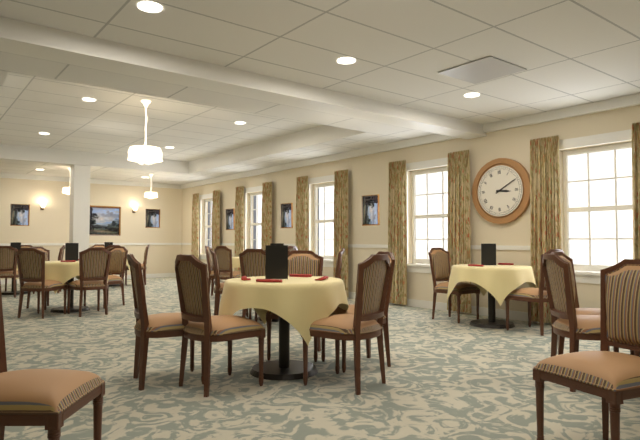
3 h 10 min
